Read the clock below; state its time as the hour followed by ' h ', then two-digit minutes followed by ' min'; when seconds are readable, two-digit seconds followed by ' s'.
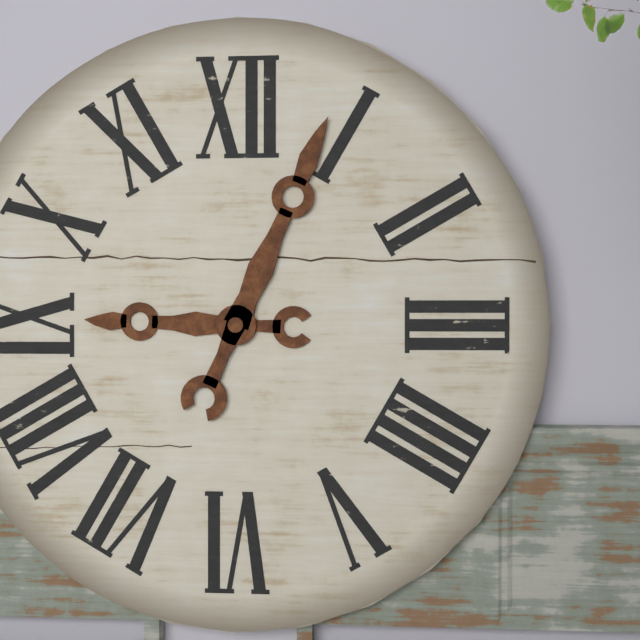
9 h 04 min
